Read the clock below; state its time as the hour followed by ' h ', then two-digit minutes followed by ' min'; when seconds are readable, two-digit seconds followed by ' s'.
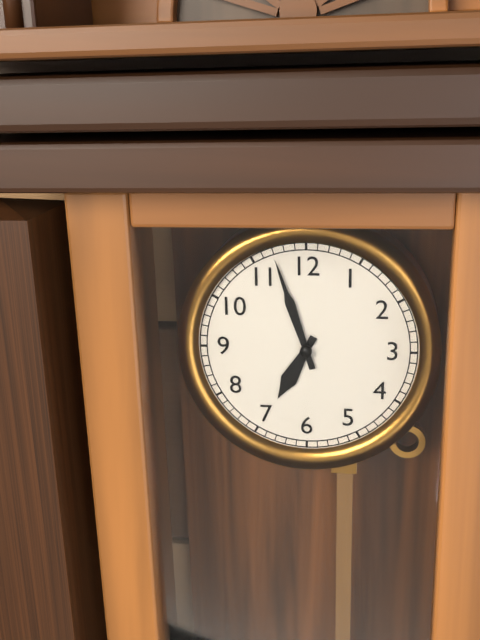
6 h 57 min
